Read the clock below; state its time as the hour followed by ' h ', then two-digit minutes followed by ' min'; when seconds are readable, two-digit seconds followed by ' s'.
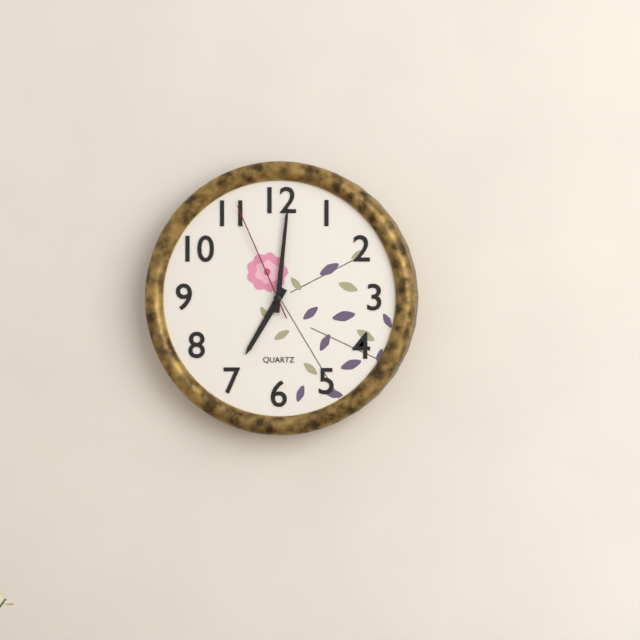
7 h 01 min 56 s
